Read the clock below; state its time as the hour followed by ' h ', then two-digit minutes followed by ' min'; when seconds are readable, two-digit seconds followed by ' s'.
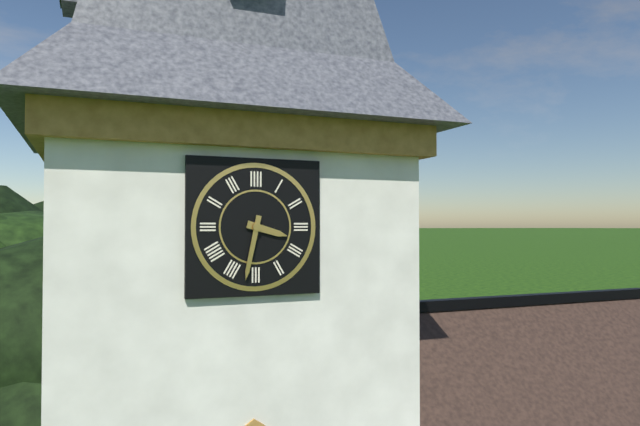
3 h 32 min
